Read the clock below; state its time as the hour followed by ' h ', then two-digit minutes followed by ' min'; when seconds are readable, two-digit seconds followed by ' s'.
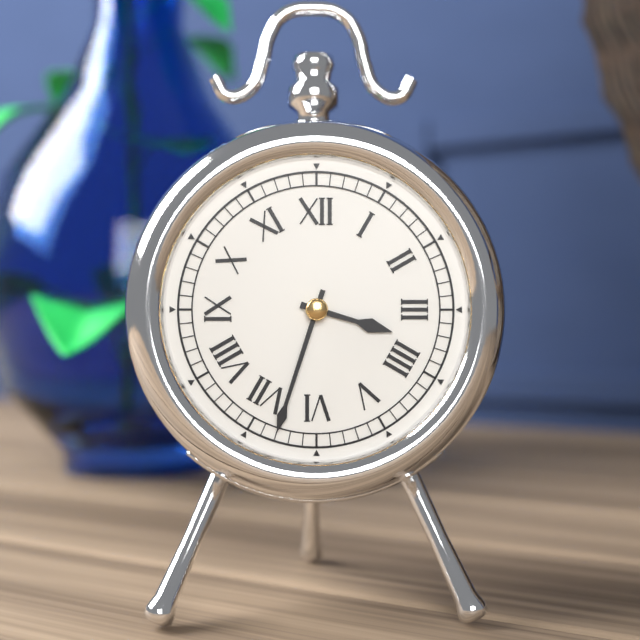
3 h 33 min
